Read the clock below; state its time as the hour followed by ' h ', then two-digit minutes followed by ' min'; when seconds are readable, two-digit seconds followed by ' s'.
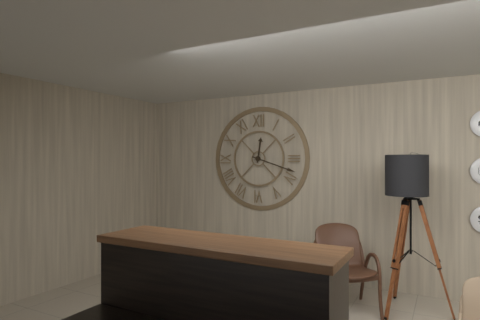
12 h 18 min
